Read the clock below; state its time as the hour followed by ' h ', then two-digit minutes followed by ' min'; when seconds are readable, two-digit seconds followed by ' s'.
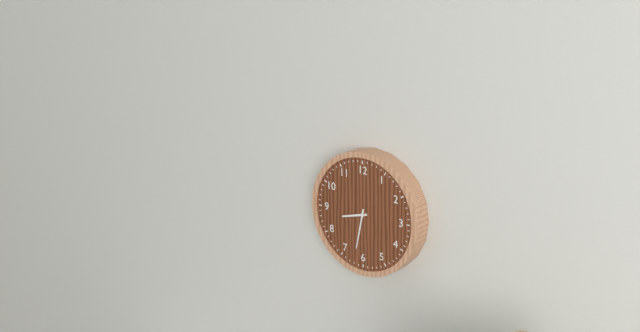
8 h 32 min
